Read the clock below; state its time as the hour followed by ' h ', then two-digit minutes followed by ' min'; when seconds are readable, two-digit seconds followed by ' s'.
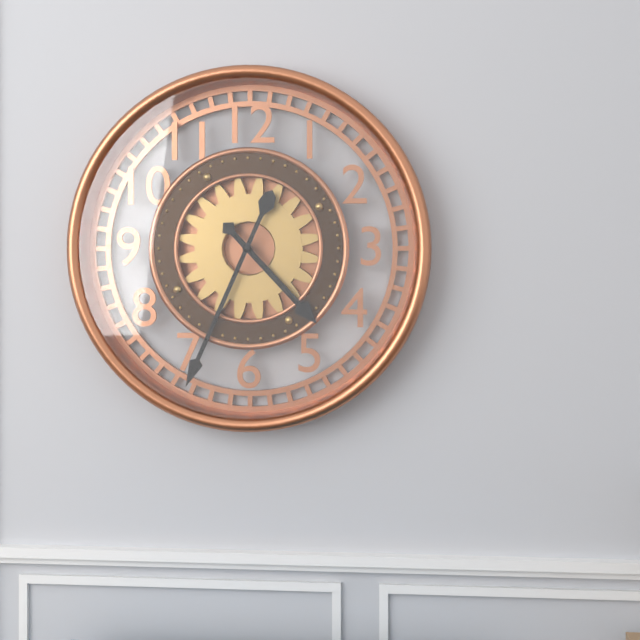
4 h 34 min
